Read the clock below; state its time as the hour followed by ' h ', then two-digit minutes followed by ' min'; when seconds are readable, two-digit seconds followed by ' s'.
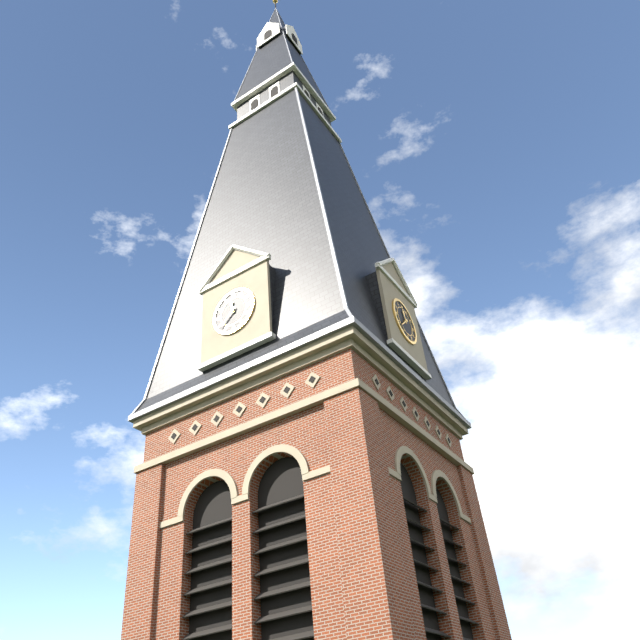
11 h 38 min
